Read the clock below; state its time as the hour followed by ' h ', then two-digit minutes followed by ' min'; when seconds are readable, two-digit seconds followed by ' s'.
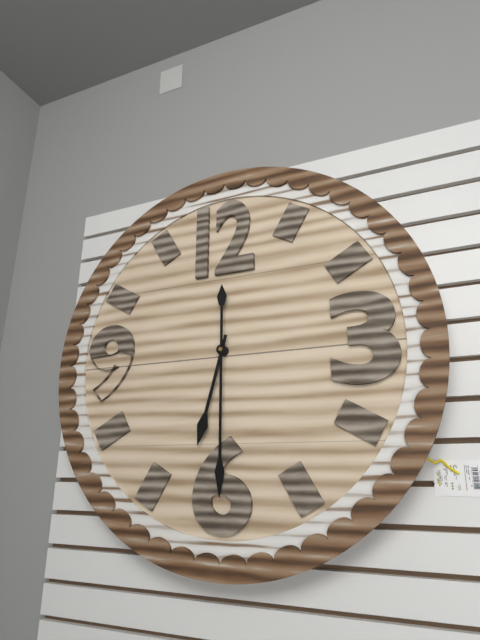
6 h 30 min
